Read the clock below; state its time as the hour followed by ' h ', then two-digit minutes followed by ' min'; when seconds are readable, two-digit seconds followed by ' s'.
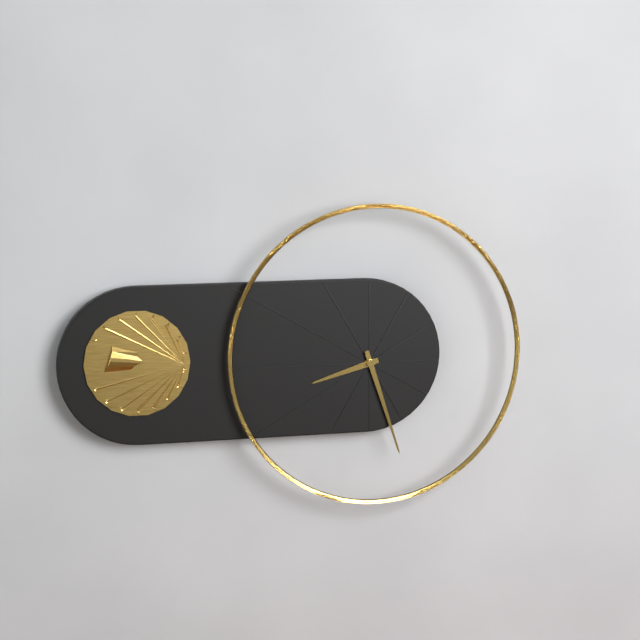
8 h 27 min
